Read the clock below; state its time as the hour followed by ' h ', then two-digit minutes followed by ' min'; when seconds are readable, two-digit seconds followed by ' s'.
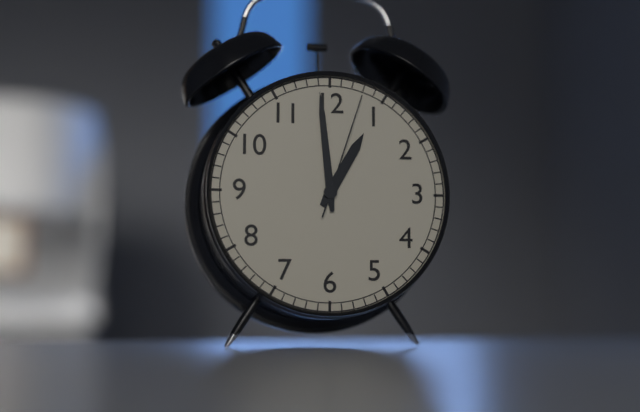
12 h 59 min 03 s
